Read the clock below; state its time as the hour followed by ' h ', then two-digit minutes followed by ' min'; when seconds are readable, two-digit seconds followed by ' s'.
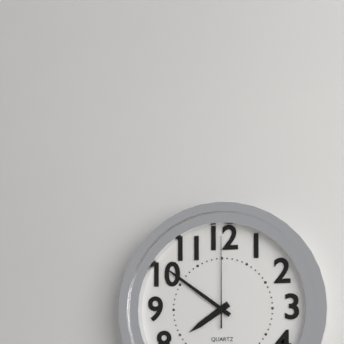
7 h 51 min 00 s
